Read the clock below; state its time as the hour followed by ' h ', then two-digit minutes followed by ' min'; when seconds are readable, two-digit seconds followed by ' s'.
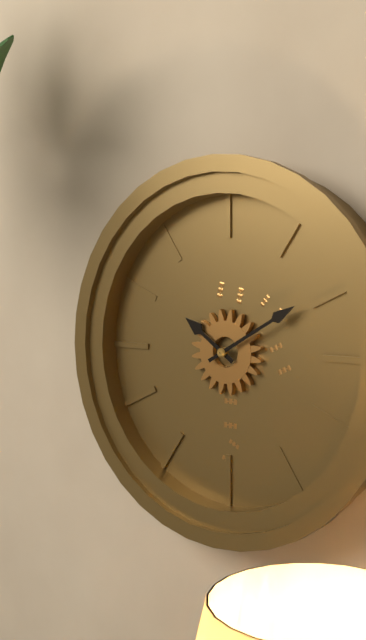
10 h 10 min
